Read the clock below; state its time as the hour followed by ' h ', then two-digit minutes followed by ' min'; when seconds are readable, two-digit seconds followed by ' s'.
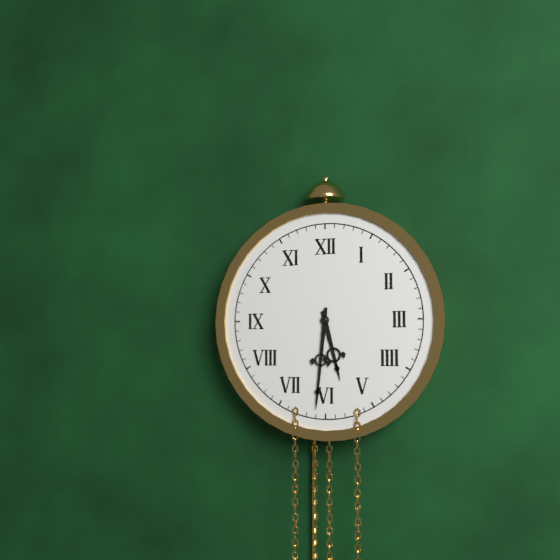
5 h 31 min
